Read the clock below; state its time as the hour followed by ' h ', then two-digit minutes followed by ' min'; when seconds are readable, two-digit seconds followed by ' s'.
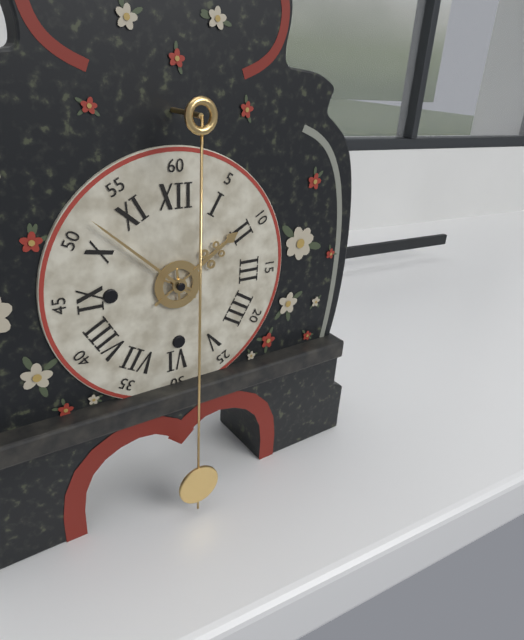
1 h 52 min
